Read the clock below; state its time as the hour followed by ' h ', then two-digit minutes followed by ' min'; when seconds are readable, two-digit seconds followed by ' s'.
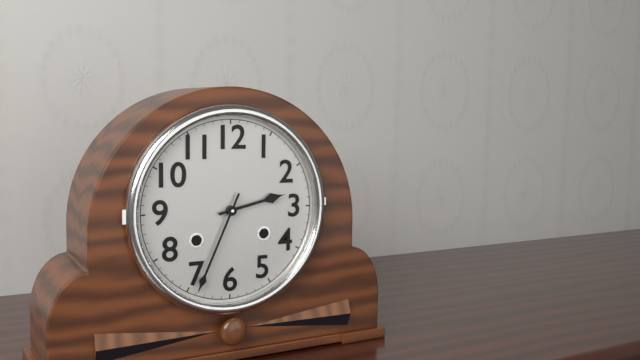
2 h 34 min
